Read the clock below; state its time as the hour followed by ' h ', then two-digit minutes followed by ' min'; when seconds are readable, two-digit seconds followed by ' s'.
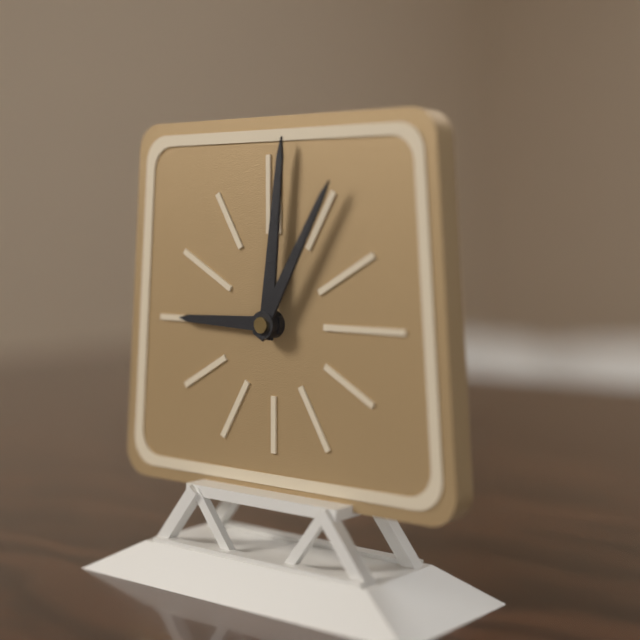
9 h 01 min 05 s
